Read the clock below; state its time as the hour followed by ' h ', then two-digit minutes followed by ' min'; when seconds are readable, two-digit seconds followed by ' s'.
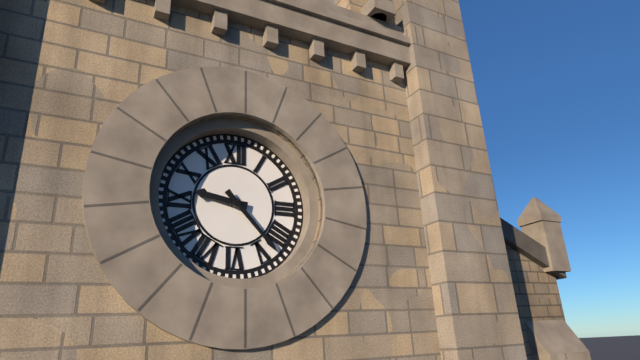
9 h 23 min
